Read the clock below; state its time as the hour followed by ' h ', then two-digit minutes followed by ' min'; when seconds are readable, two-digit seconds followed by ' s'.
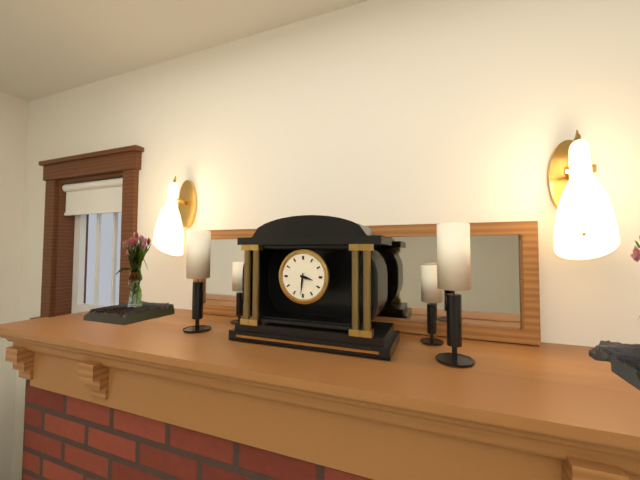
3 h 31 min
